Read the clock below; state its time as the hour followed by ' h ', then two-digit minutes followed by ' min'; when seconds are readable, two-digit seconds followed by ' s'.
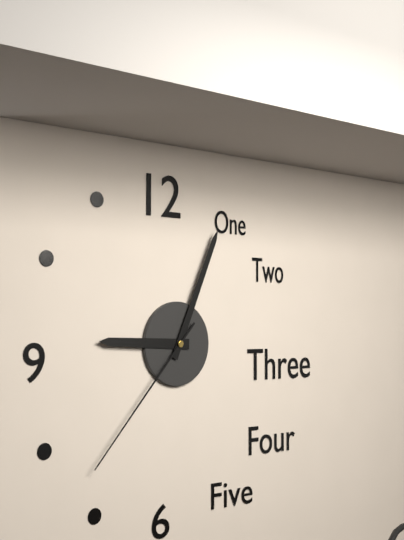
9 h 04 min 37 s
